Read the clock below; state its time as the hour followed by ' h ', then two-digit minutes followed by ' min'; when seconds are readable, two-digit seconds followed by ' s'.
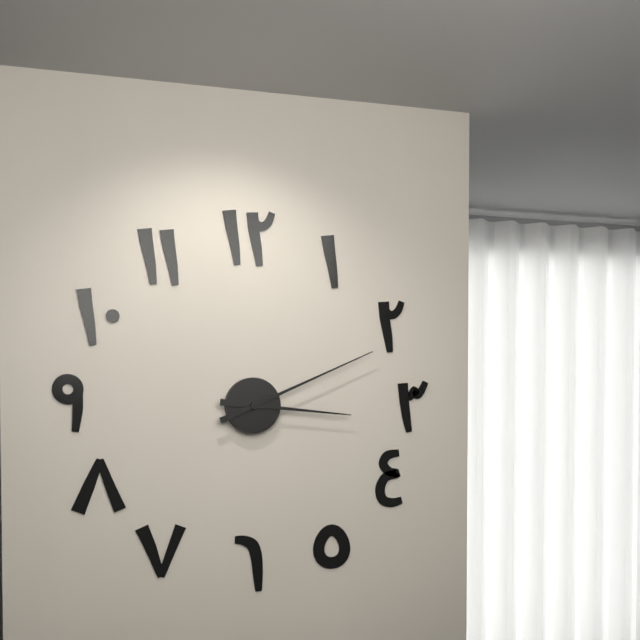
3 h 11 min
